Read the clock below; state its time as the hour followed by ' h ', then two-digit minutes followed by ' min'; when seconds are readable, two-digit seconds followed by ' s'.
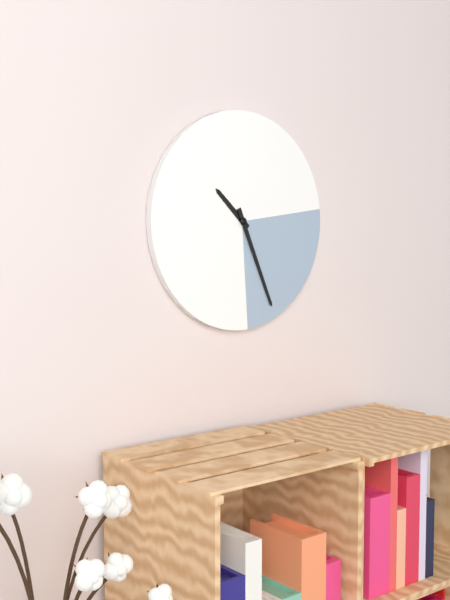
10 h 26 min
